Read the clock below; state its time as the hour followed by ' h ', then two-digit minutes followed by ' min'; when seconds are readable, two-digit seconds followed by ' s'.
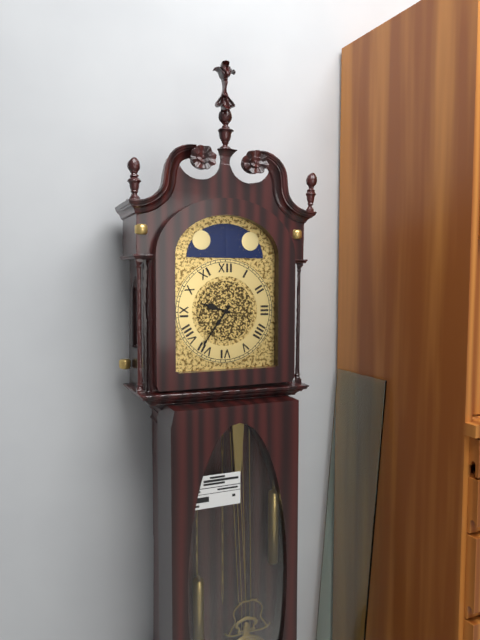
9 h 36 min
